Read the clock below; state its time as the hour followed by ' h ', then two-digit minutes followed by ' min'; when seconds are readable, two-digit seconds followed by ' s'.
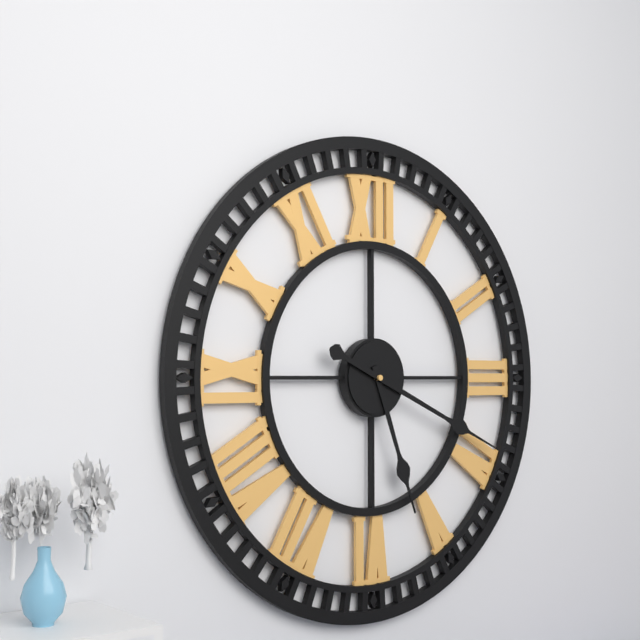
5 h 19 min
